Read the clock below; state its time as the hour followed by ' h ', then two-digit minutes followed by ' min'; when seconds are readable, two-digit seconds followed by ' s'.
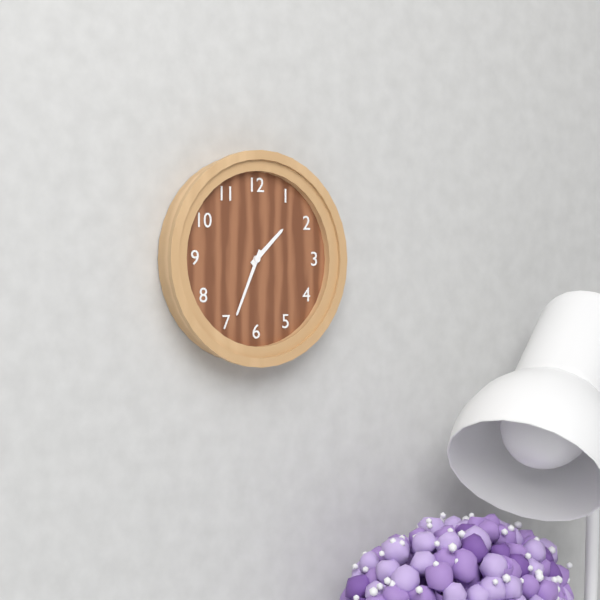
1 h 34 min
